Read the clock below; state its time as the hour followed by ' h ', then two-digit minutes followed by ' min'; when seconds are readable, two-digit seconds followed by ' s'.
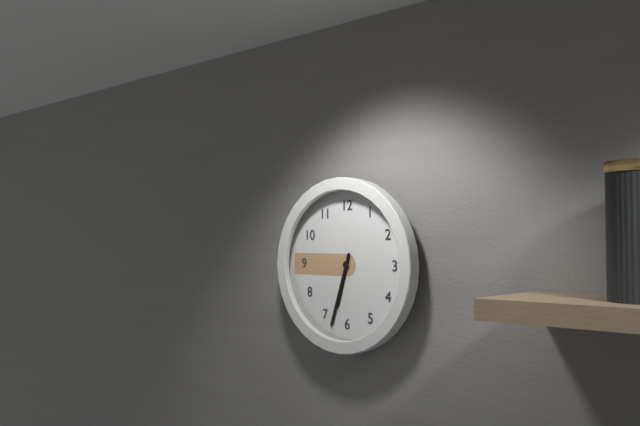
6 h 33 min
